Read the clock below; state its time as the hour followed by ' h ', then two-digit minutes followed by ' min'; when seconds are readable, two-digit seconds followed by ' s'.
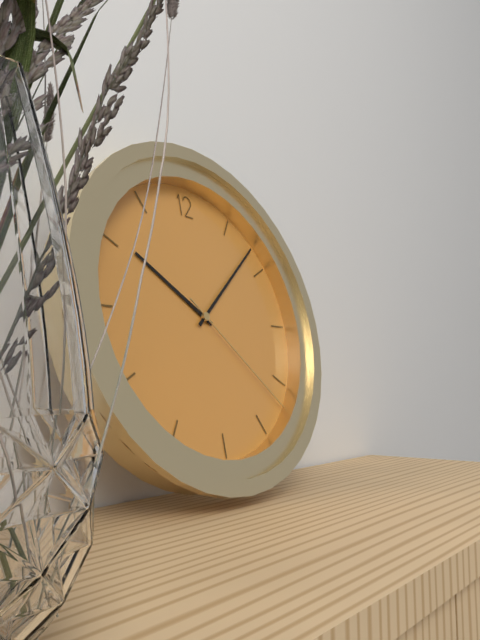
10 h 08 min 22 s
